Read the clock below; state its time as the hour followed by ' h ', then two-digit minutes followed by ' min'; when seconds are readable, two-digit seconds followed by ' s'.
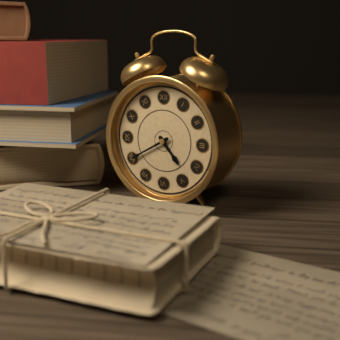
4 h 40 min
